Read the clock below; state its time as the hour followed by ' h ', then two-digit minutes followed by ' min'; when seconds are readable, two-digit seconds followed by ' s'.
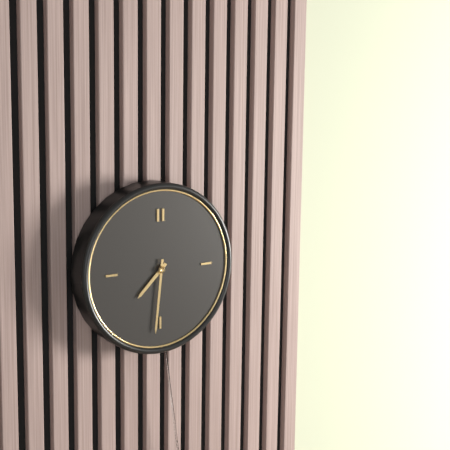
7 h 31 min
